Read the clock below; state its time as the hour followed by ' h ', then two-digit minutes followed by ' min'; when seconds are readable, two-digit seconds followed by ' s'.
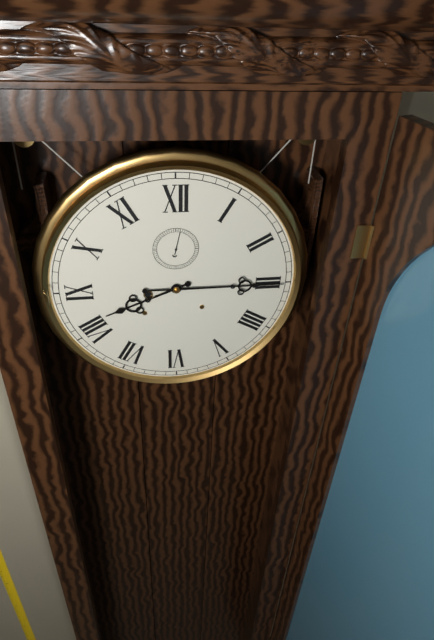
8 h 15 min
